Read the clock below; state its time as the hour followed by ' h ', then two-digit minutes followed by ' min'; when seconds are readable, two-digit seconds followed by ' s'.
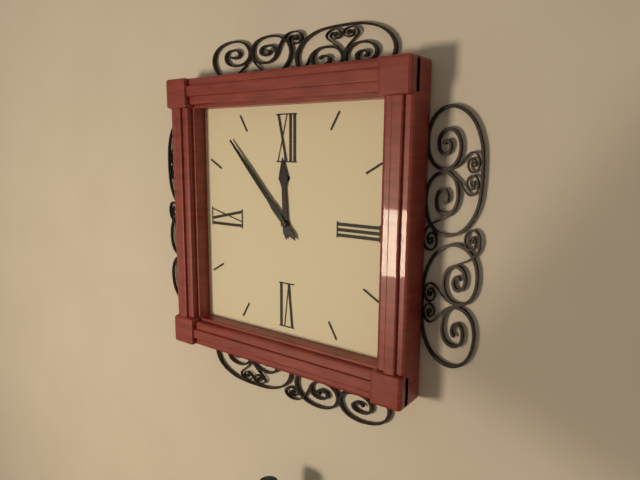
11 h 53 min
